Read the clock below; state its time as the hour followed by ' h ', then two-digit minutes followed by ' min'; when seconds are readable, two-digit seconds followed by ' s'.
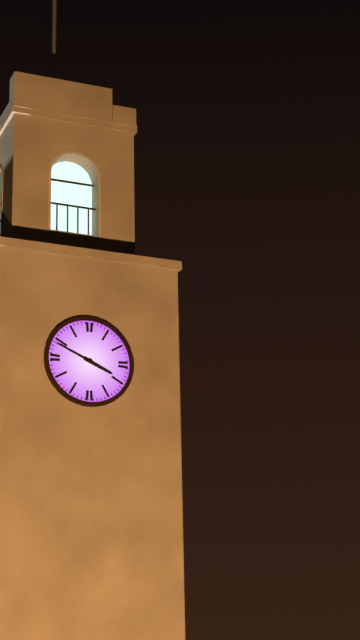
3 h 49 min
